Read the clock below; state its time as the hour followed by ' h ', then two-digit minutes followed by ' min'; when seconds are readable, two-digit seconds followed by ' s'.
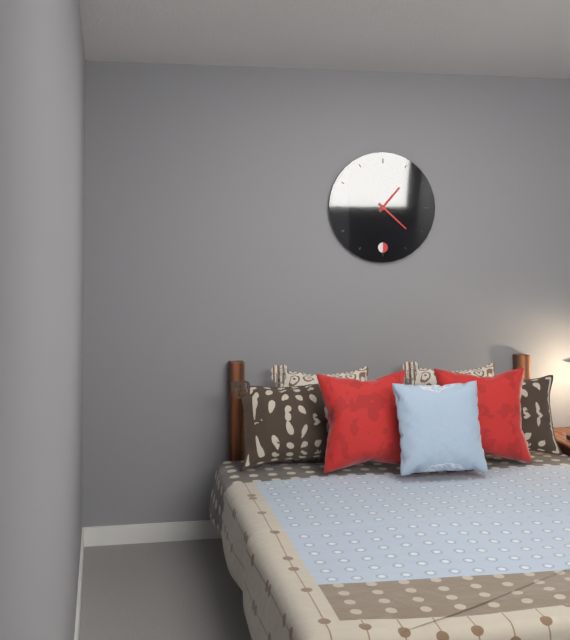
1 h 22 min
